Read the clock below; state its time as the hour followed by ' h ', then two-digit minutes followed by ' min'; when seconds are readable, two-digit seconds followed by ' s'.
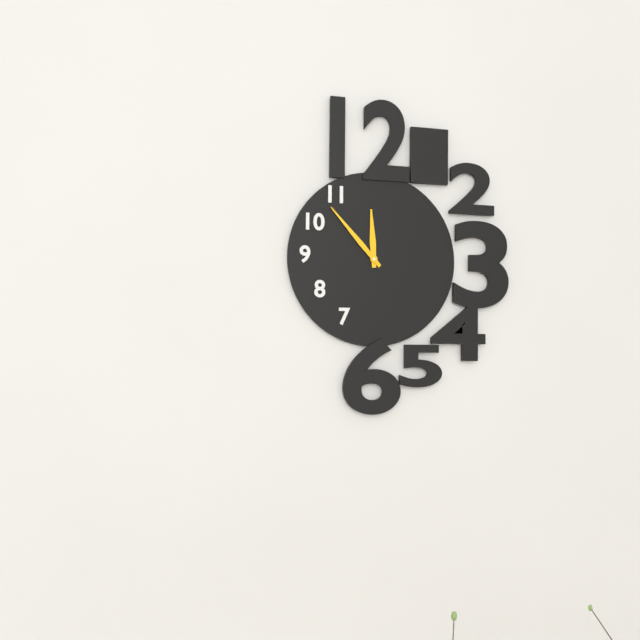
11 h 53 min
